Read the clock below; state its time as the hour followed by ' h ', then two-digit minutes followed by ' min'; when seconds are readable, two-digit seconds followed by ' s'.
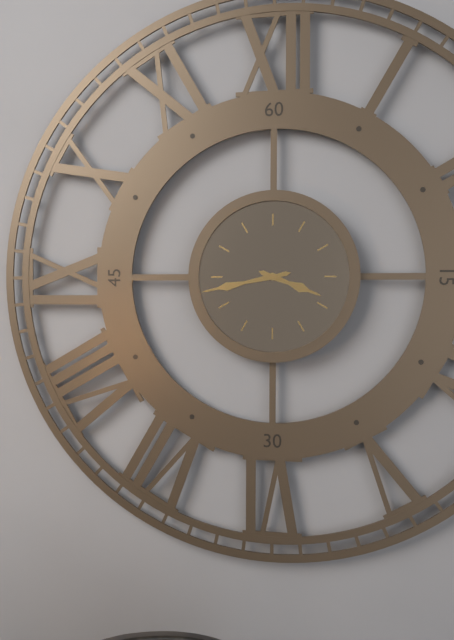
3 h 43 min
